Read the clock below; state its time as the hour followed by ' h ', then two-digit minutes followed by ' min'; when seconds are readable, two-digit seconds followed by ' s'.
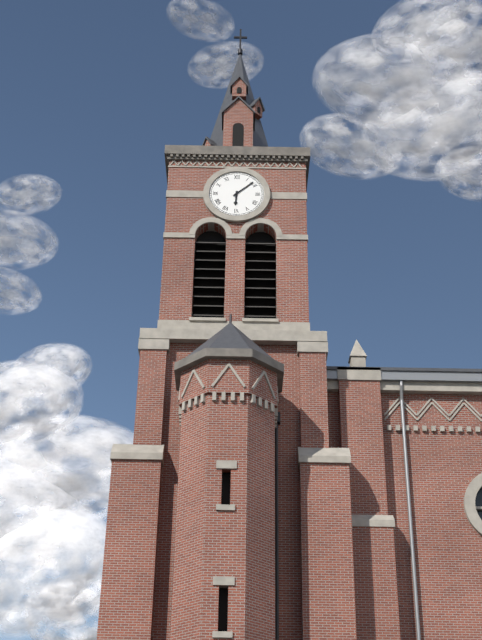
6 h 08 min
